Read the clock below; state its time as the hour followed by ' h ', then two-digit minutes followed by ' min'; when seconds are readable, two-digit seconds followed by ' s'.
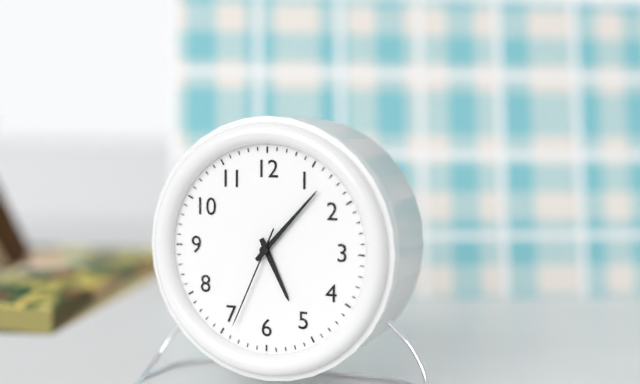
5 h 07 min 34 s
